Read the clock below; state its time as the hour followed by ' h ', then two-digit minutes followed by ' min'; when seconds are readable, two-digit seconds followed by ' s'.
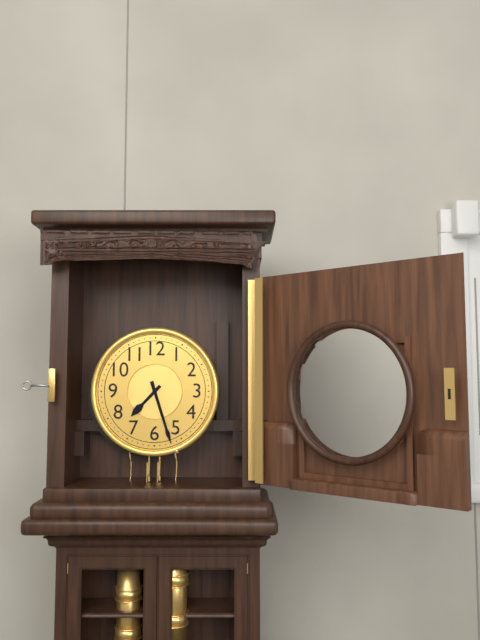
7 h 27 min
